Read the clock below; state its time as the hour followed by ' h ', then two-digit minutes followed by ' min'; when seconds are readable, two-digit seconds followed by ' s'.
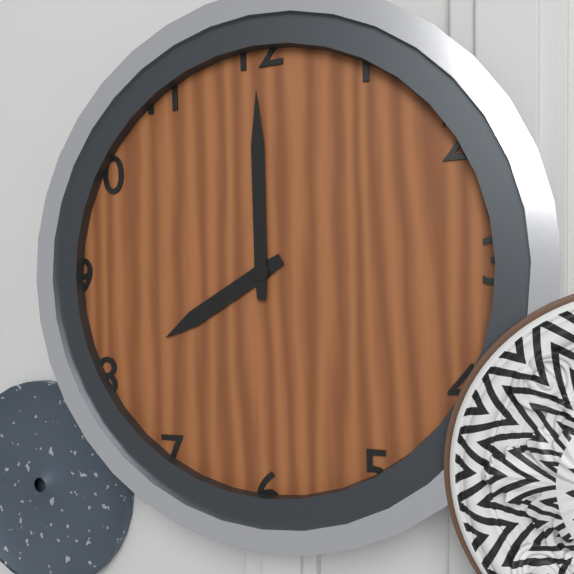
8 h 00 min
